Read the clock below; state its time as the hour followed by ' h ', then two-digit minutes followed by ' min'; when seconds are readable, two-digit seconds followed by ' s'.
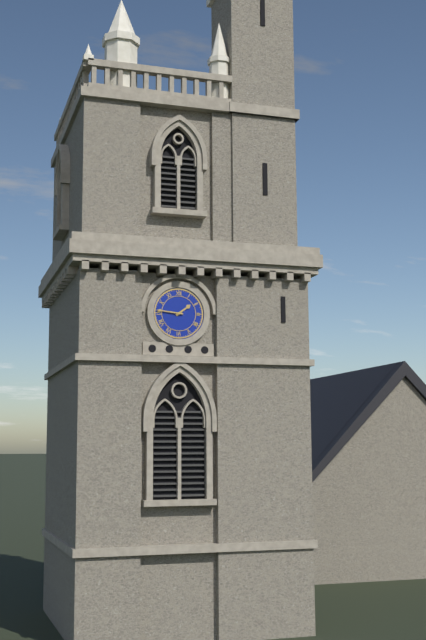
1 h 46 min
